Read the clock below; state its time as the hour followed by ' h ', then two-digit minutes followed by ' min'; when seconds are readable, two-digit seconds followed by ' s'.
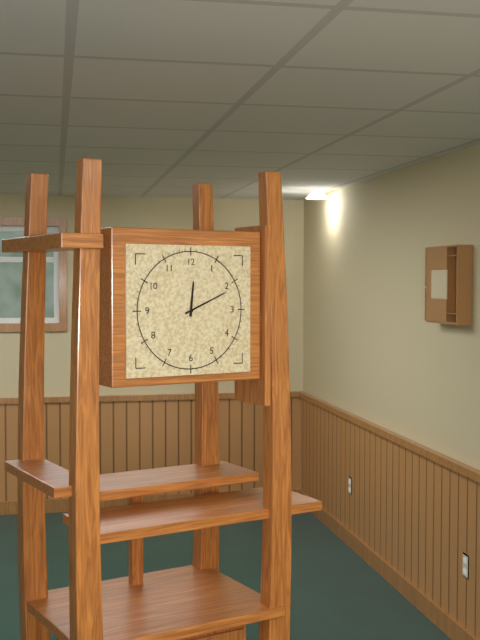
12 h 11 min
